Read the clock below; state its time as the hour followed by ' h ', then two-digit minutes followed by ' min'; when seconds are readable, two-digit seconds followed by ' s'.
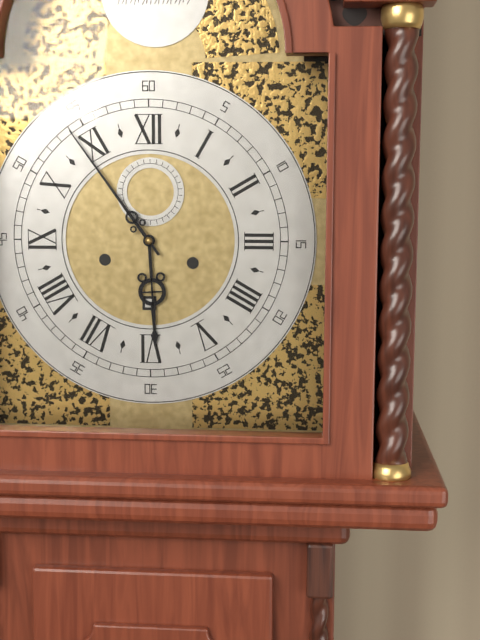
5 h 54 min
